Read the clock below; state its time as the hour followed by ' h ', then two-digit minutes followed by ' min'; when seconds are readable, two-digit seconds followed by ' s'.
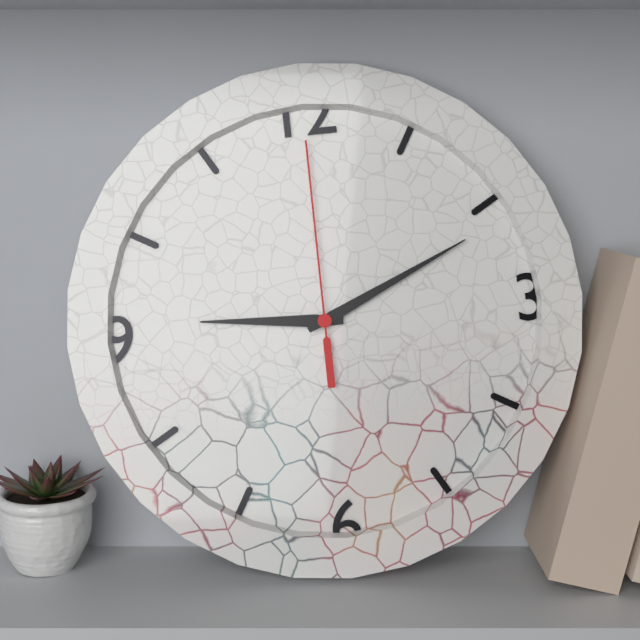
9 h 11 min 00 s
